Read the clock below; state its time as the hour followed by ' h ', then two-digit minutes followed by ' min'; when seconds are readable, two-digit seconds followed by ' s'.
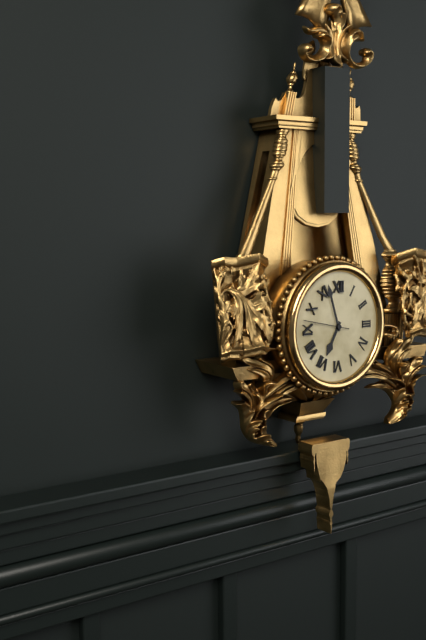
6 h 57 min
